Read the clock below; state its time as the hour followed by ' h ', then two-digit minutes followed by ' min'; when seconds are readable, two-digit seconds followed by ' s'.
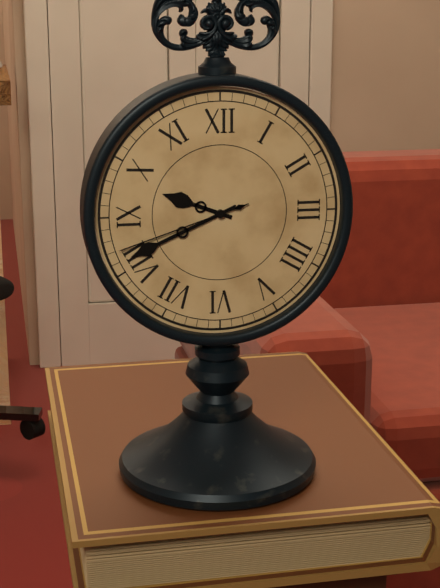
9 h 41 min 42 s
